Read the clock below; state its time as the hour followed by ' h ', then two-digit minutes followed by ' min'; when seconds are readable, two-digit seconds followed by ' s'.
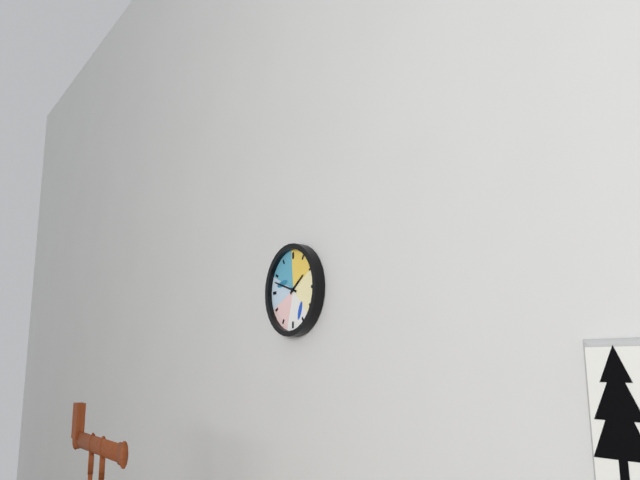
1 h 48 min
